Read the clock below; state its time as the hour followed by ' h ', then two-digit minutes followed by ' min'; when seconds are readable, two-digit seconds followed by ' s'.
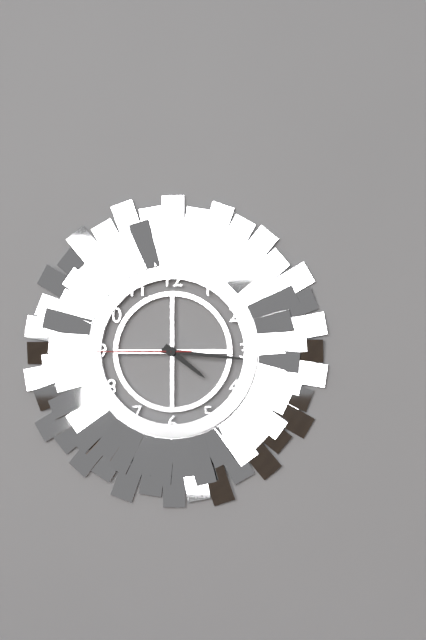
4 h 16 min 45 s
